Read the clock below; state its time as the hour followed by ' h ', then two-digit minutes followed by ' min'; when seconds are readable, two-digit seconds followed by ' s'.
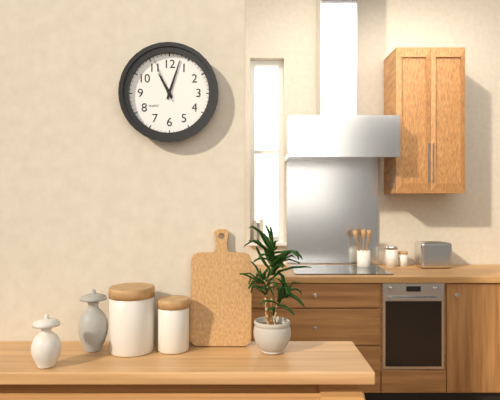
11 h 03 min
